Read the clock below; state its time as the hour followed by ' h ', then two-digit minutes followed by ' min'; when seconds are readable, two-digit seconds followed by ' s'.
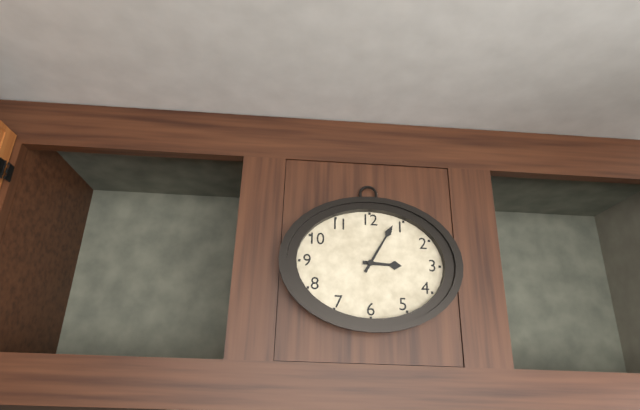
3 h 05 min
